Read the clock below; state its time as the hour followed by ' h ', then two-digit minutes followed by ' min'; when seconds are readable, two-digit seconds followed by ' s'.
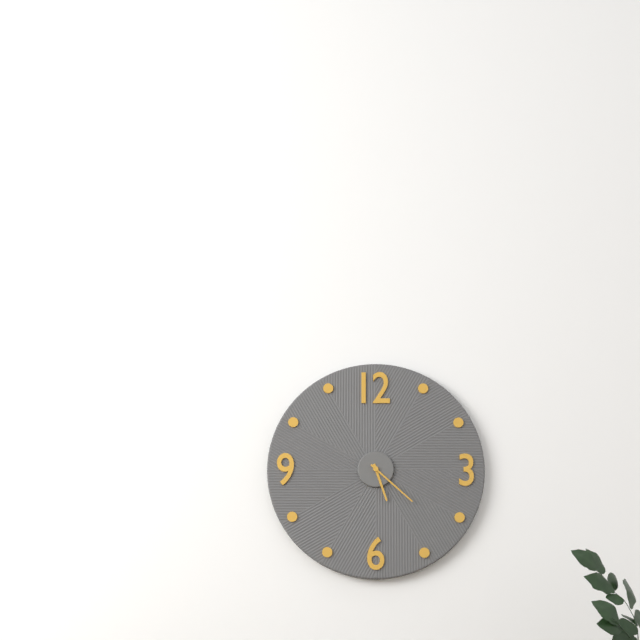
5 h 22 min
